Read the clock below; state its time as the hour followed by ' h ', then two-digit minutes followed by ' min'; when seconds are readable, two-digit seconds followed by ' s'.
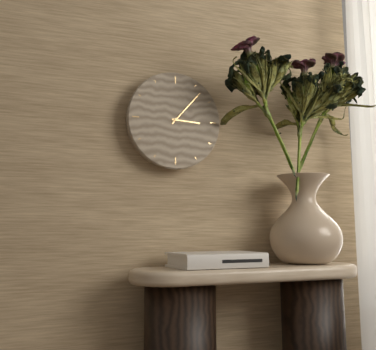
3 h 07 min
